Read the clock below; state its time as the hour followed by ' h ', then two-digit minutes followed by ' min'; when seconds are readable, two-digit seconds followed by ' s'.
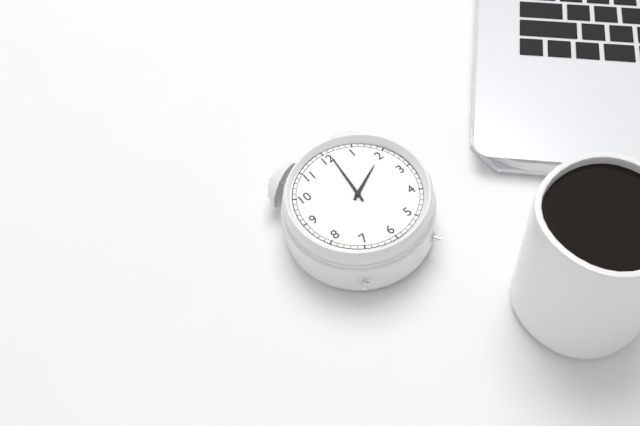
2 h 01 min
